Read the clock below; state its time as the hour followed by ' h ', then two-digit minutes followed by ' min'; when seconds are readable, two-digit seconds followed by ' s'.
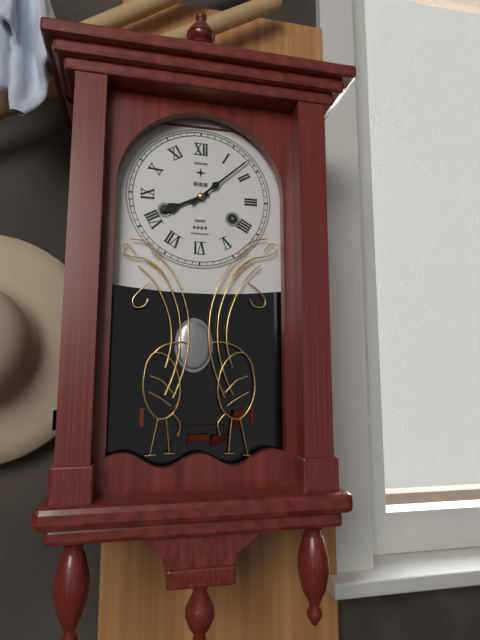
8 h 08 min
